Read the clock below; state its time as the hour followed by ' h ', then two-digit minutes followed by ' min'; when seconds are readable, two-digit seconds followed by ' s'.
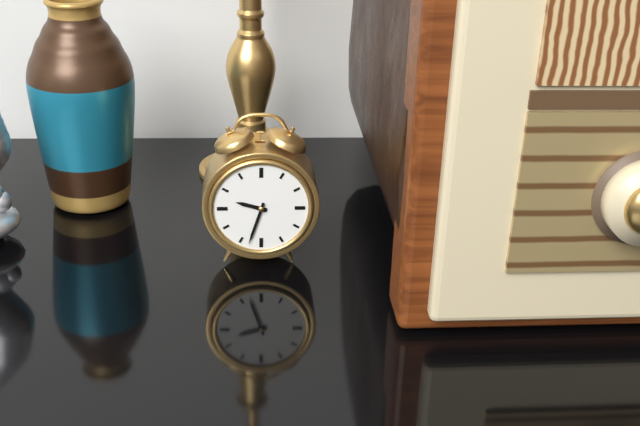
9 h 33 min
